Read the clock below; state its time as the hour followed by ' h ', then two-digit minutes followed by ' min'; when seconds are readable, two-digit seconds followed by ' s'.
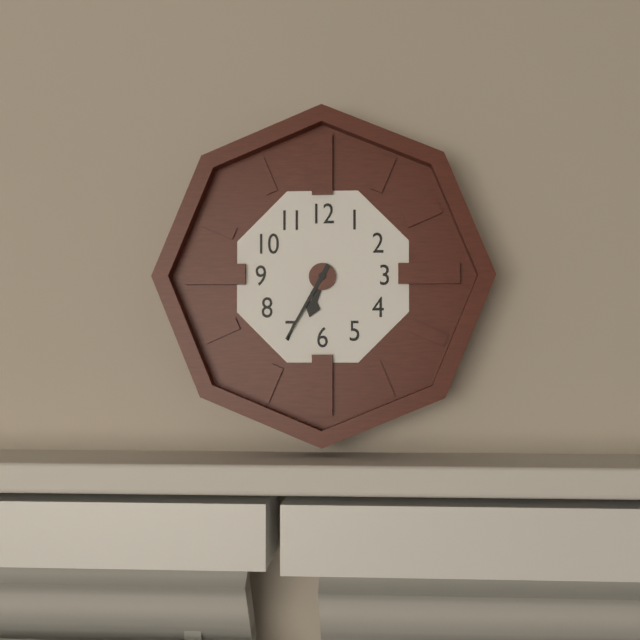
6 h 35 min
